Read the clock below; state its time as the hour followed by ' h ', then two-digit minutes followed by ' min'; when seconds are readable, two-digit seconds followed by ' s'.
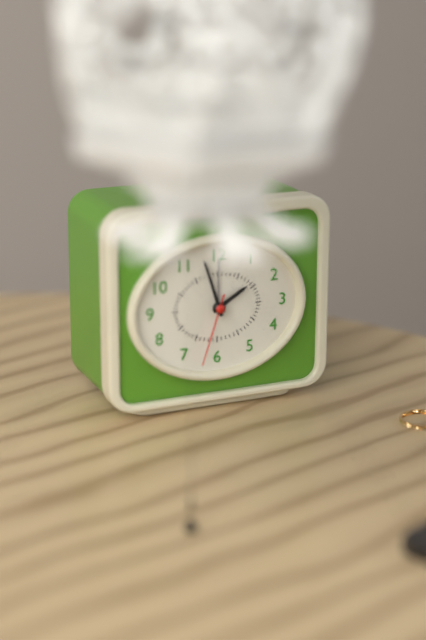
1 h 57 min 33 s
